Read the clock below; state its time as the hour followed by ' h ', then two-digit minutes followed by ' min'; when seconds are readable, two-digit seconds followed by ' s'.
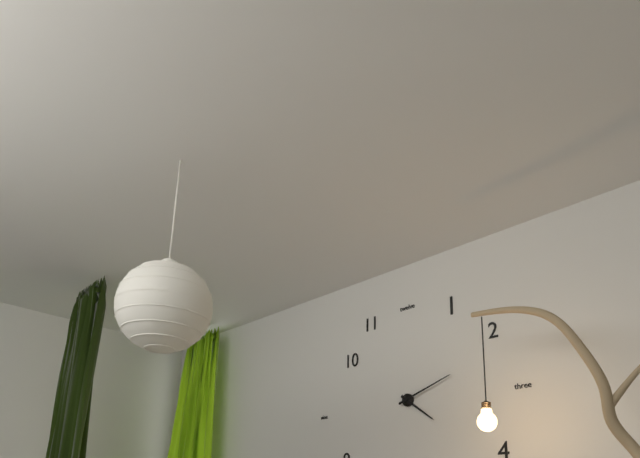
4 h 12 min
